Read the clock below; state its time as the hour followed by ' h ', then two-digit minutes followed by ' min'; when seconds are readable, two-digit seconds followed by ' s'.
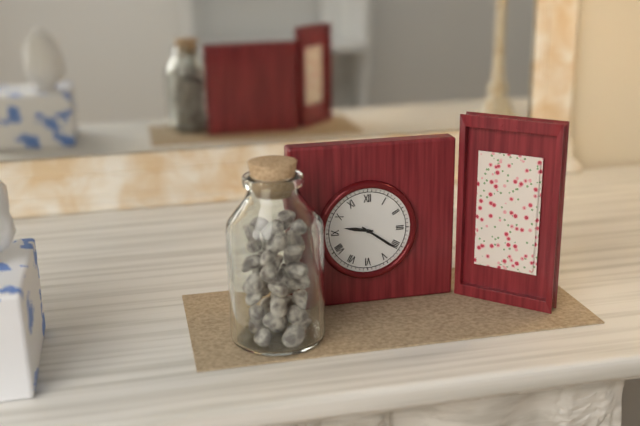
9 h 21 min
